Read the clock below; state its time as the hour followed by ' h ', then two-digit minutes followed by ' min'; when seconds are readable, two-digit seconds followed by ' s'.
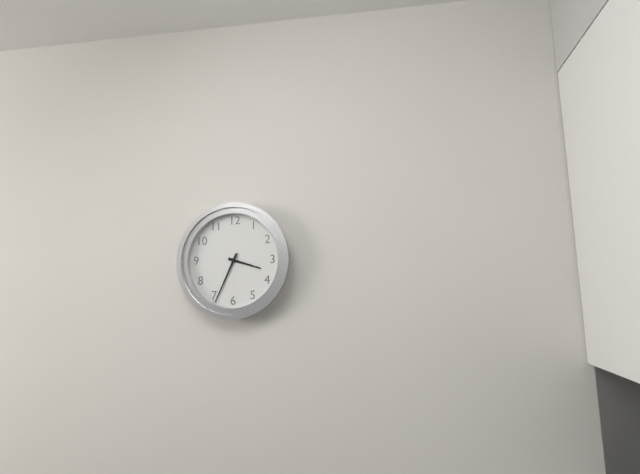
3 h 34 min
